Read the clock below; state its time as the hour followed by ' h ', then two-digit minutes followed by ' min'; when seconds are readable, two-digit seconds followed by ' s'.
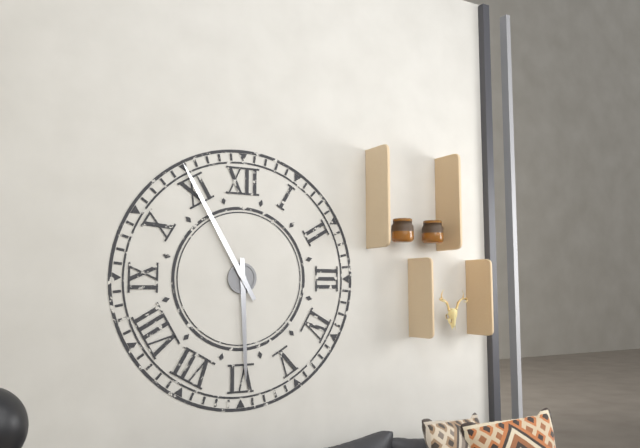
5 h 55 min
